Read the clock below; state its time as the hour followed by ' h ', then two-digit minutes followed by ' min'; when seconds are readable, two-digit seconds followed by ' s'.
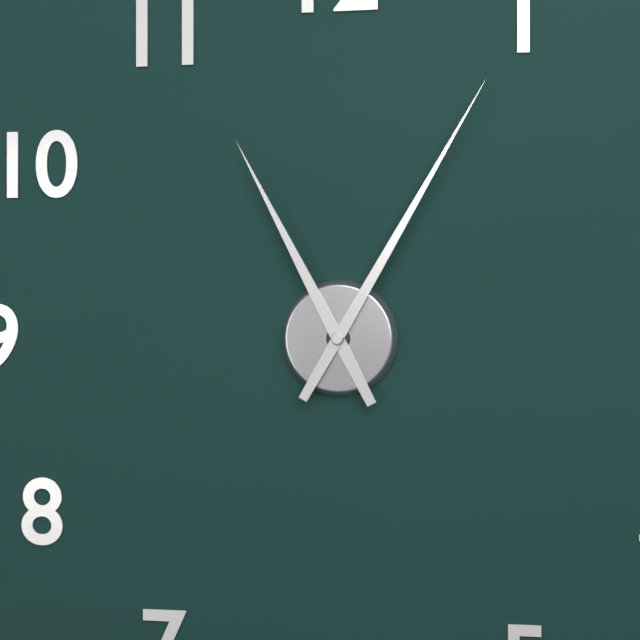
11 h 05 min
